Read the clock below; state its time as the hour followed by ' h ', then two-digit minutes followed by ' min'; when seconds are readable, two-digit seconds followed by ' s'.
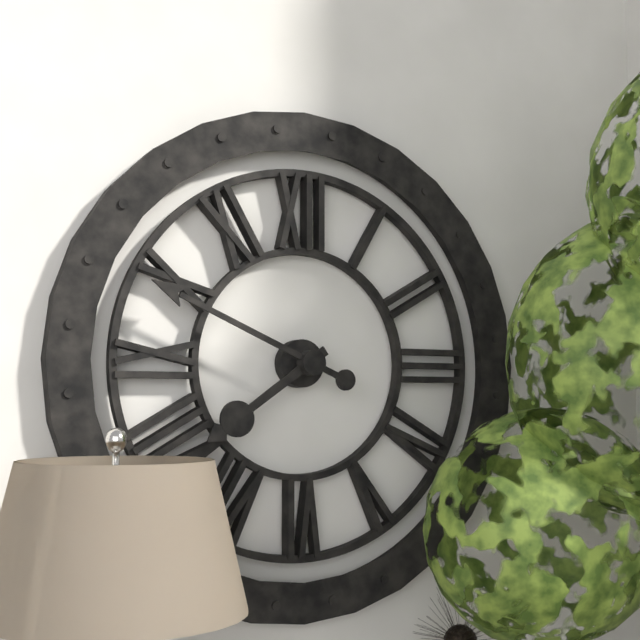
7 h 49 min
